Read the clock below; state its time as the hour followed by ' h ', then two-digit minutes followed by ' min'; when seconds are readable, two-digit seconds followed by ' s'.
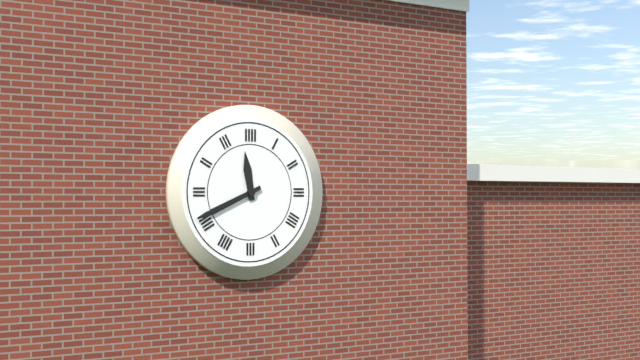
11 h 41 min
